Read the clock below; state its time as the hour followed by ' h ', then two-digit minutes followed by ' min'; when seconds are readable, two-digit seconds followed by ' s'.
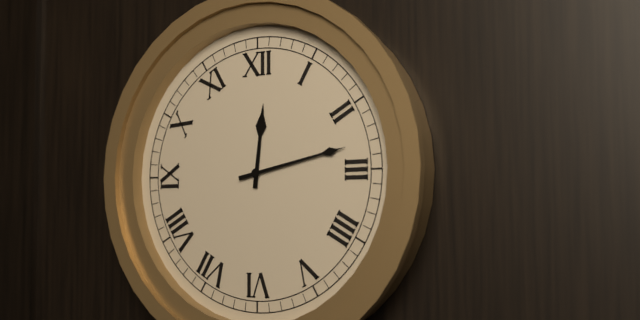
12 h 13 min
